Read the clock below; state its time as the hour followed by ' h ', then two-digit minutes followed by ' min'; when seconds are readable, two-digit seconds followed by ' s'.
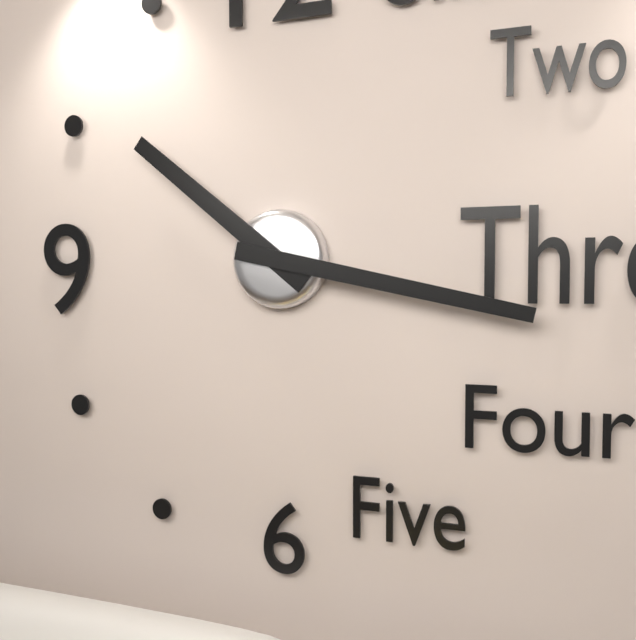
10 h 17 min
